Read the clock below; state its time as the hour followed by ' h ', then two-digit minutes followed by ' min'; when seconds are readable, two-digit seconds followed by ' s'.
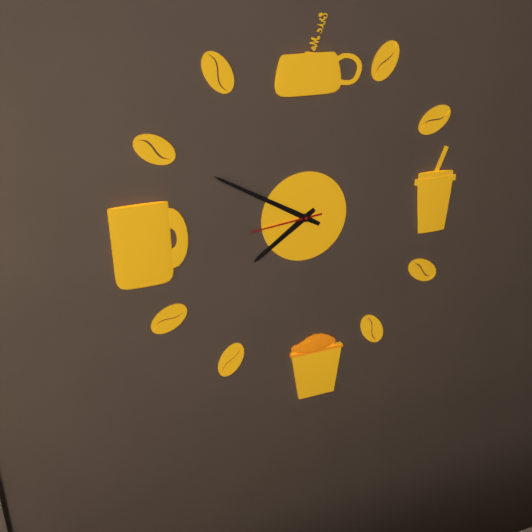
7 h 50 min 44 s
